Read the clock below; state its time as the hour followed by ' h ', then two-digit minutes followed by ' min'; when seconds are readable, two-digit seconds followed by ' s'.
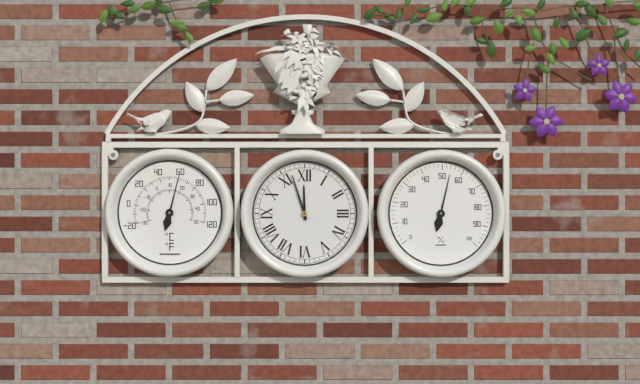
11 h 57 min
